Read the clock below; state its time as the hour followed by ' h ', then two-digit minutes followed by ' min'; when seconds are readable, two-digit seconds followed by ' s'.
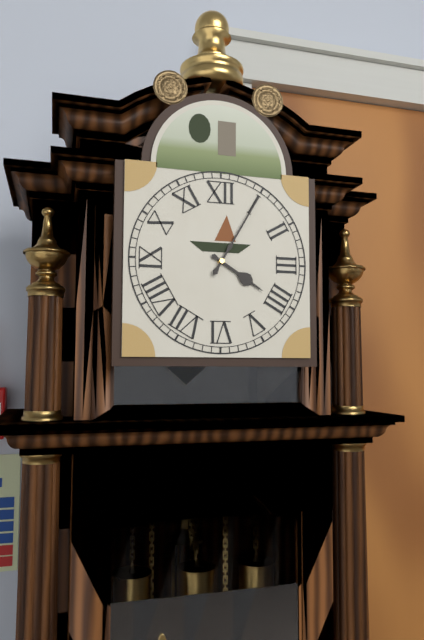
4 h 05 min
